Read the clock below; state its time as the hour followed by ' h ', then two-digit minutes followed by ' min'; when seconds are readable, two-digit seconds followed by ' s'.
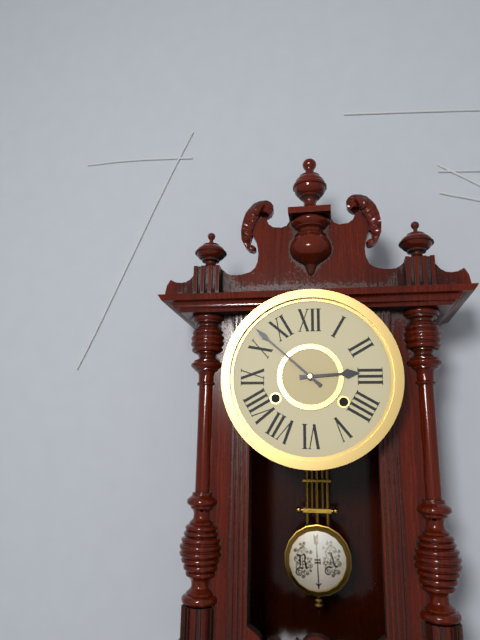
2 h 52 min
